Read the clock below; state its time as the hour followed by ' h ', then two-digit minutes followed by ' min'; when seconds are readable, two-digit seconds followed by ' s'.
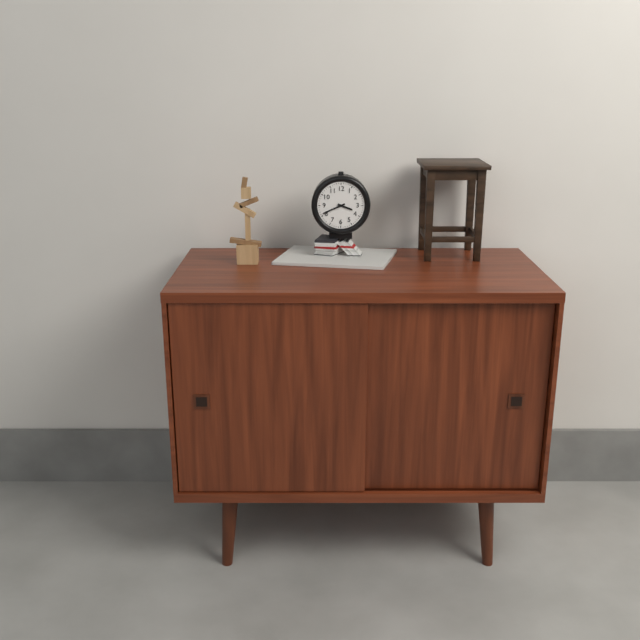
3 h 41 min
